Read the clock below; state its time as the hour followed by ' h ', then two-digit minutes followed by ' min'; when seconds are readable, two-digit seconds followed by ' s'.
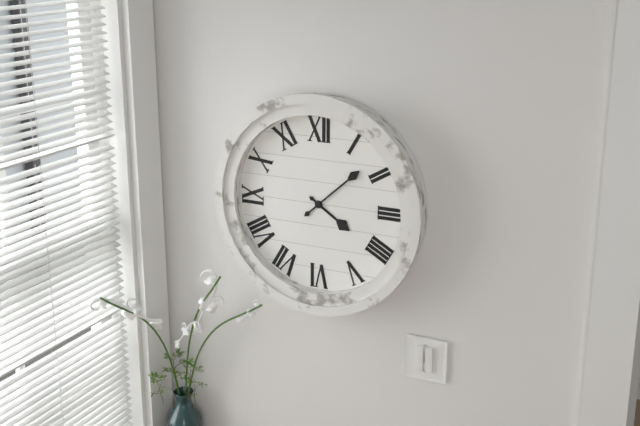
4 h 08 min
